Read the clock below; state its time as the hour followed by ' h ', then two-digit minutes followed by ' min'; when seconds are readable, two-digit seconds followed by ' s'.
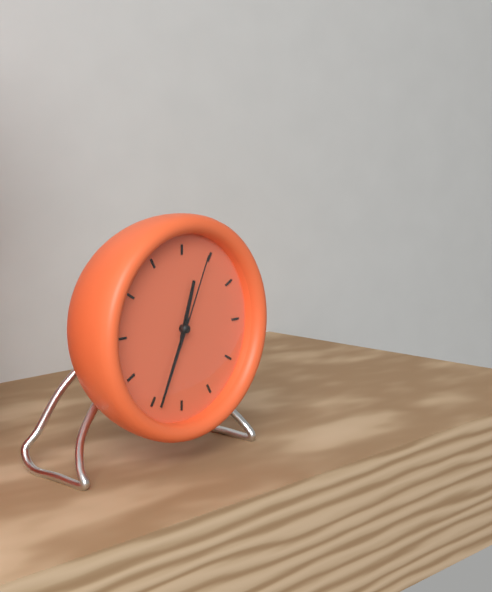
12 h 34 min 04 s
